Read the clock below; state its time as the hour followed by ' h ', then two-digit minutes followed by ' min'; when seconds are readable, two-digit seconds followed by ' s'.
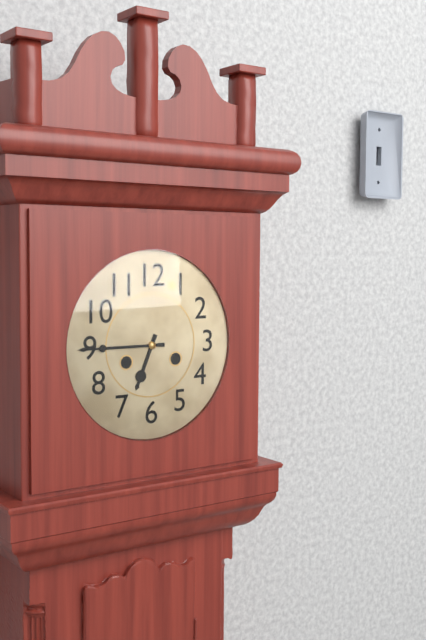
6 h 45 min
